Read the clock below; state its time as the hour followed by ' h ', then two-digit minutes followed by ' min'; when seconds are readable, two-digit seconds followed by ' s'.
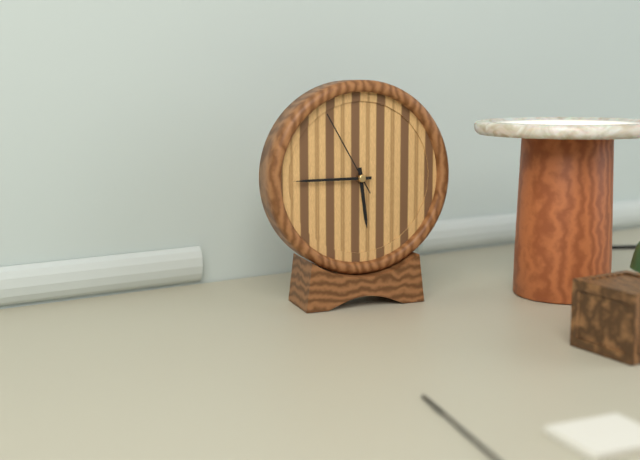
5 h 45 min 55 s
